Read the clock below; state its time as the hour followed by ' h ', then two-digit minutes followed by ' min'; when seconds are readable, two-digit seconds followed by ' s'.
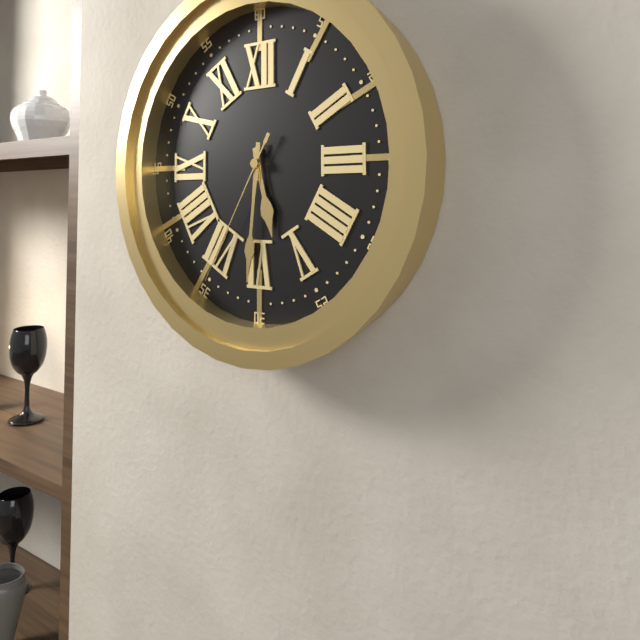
5 h 31 min 35 s
